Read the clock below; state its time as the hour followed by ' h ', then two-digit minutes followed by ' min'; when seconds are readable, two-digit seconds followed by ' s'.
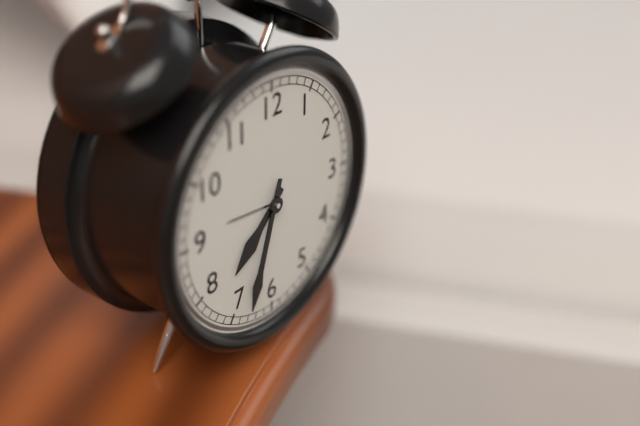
7 h 33 min
